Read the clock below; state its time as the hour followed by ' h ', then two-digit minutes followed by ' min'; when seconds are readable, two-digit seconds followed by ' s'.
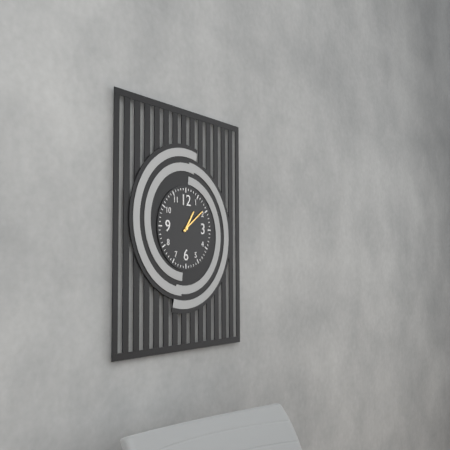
1 h 09 min
